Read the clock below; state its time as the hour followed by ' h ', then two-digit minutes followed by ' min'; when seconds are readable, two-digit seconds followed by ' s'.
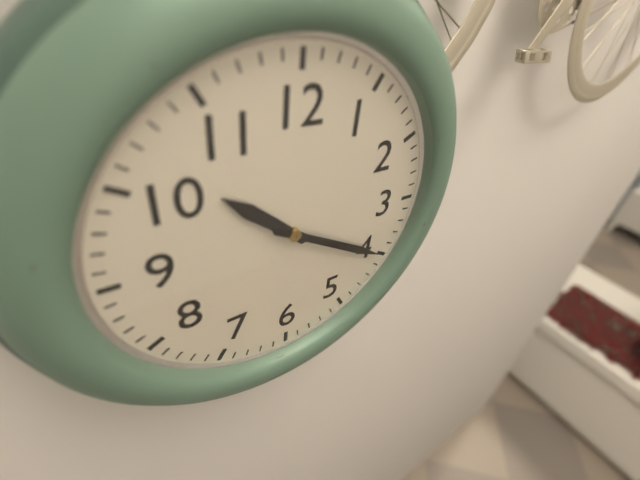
10 h 20 min
